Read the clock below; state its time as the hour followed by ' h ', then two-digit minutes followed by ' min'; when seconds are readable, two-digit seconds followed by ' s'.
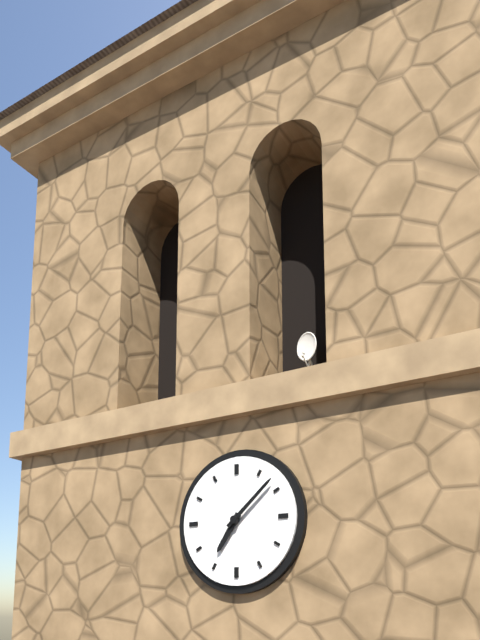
7 h 08 min
